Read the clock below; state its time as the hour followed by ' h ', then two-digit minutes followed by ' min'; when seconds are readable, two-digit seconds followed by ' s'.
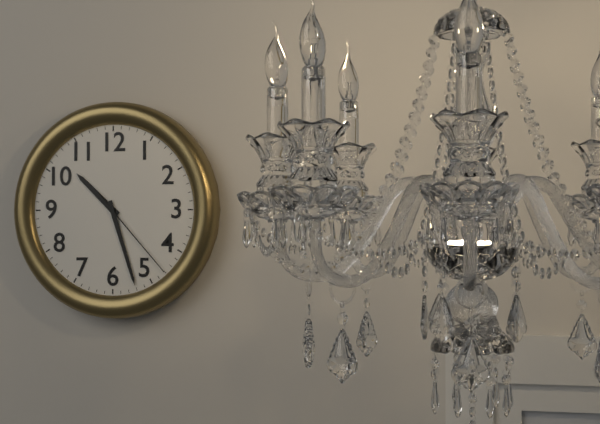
10 h 27 min 23 s
